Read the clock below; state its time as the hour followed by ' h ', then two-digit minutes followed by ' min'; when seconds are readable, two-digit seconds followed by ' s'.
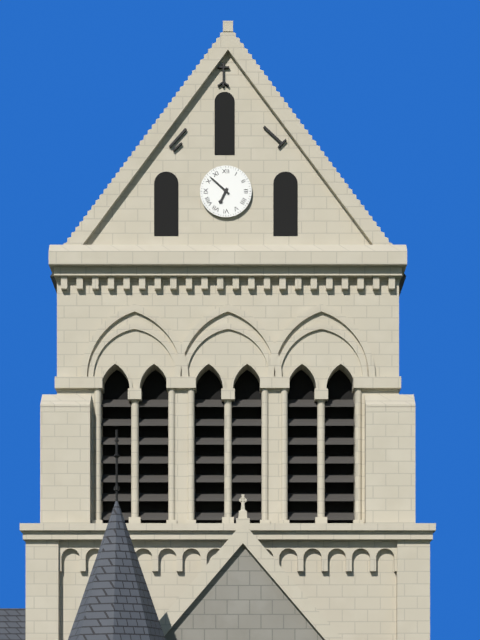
6 h 52 min
